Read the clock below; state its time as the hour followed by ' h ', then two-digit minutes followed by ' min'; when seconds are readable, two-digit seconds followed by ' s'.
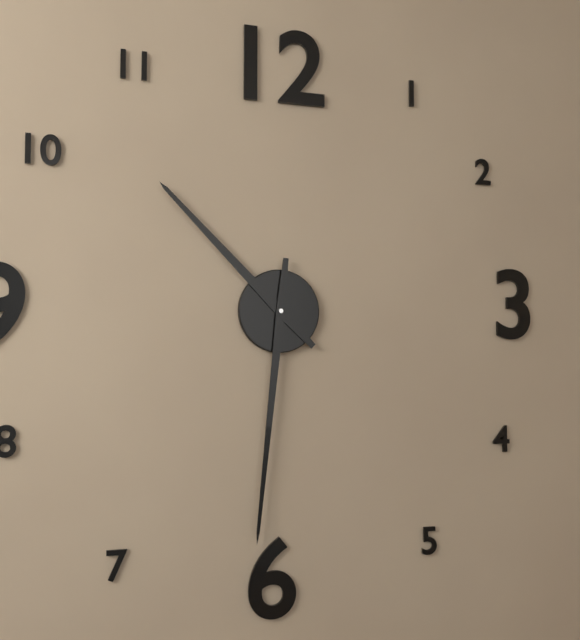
10 h 31 min
